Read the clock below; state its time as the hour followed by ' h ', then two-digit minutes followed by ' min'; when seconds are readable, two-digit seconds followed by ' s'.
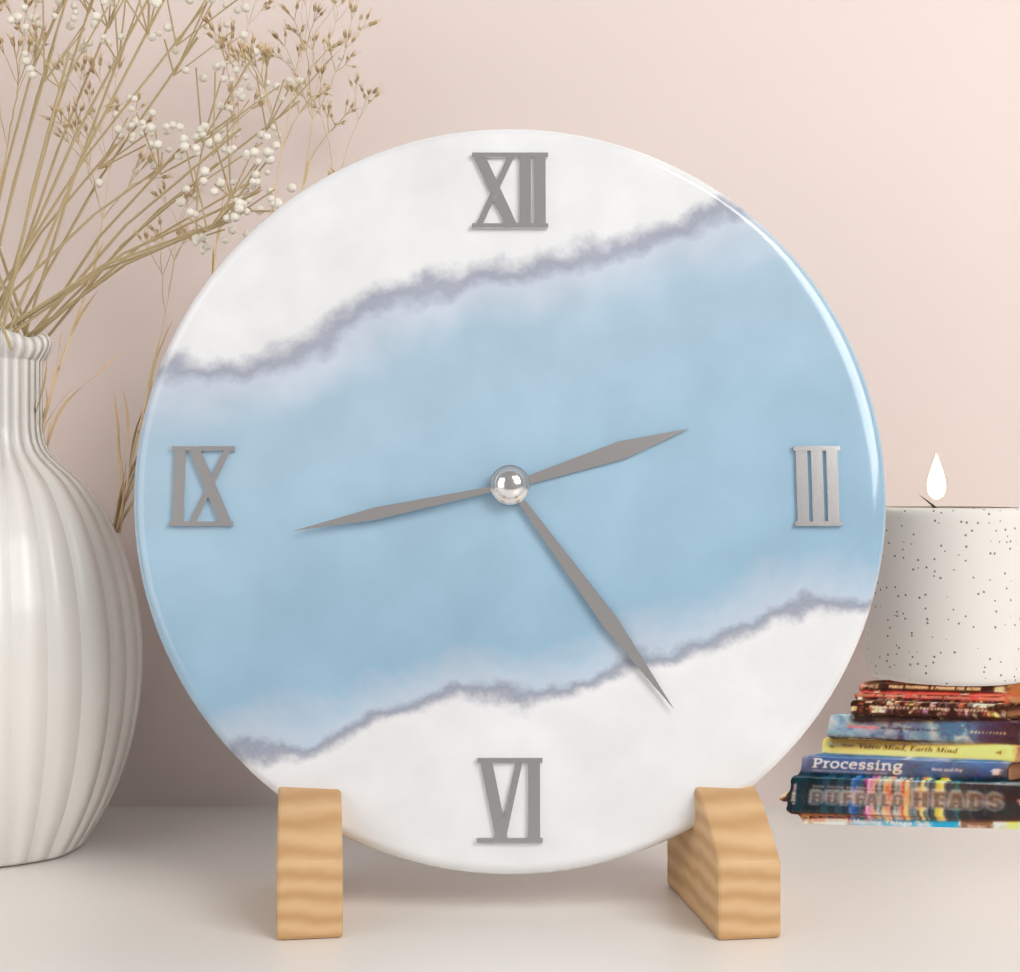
2 h 24 min 43 s
